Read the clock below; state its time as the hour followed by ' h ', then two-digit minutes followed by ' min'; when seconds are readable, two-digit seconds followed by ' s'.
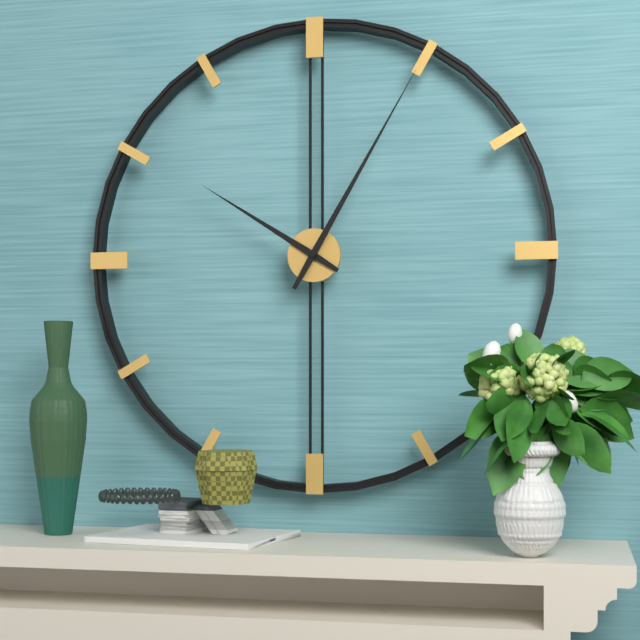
10 h 05 min
